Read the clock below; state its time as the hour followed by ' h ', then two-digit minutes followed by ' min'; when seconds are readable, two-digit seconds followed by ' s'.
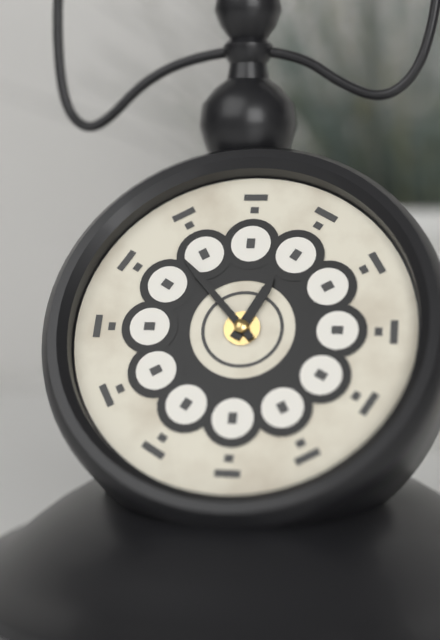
12 h 53 min
